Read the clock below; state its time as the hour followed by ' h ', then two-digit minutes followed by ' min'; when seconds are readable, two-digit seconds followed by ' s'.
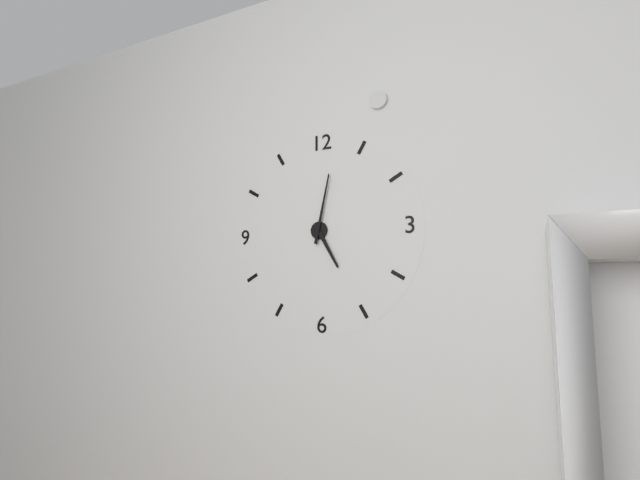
5 h 02 min
